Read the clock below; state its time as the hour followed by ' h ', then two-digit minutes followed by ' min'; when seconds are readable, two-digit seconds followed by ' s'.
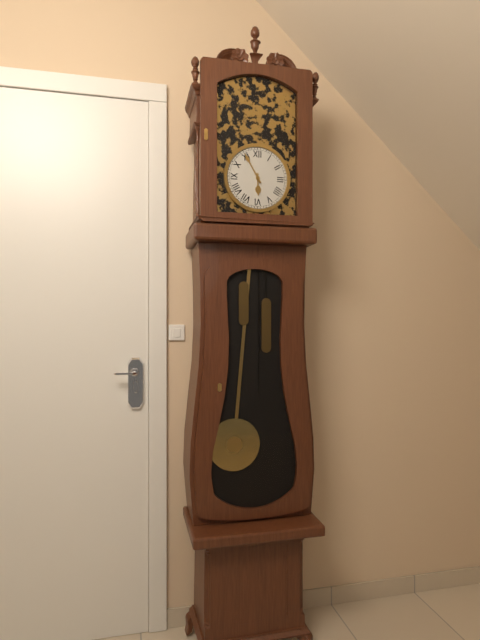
5 h 55 min
